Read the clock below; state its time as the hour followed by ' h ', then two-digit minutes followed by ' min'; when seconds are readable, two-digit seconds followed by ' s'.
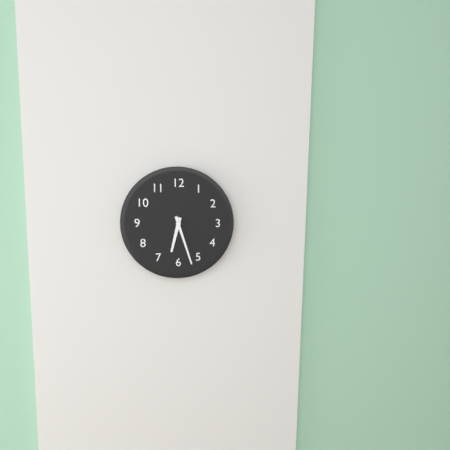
6 h 27 min
